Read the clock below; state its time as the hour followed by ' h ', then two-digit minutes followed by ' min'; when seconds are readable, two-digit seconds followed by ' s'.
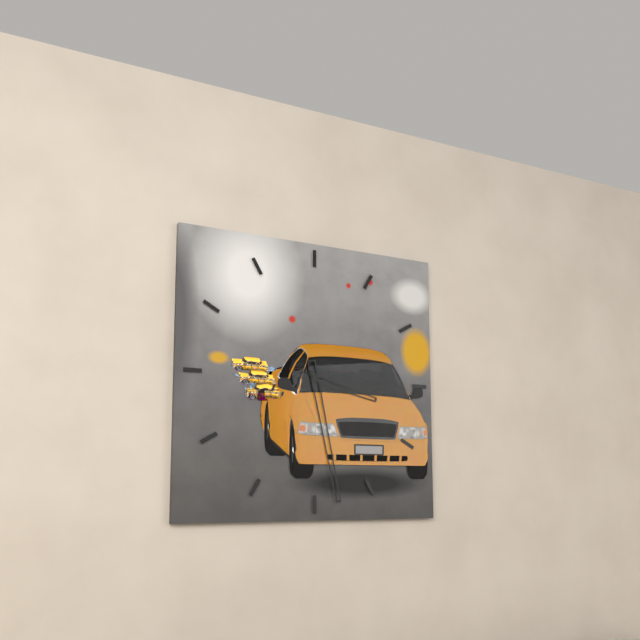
3 h 28 min
